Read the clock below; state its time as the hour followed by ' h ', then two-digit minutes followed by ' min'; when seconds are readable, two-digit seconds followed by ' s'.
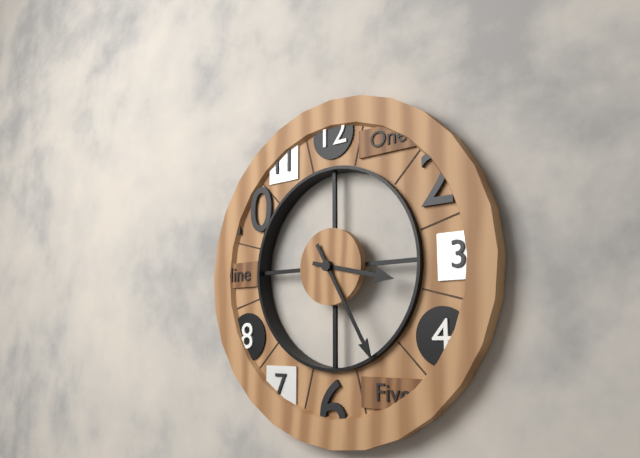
3 h 25 min
